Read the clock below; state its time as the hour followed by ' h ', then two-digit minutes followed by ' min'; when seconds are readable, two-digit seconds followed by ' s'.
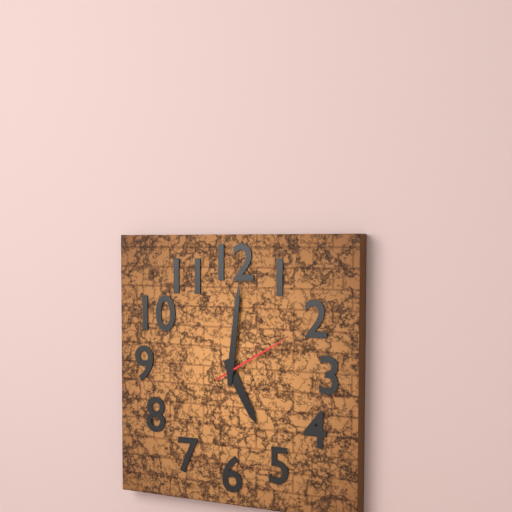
5 h 01 min 10 s
